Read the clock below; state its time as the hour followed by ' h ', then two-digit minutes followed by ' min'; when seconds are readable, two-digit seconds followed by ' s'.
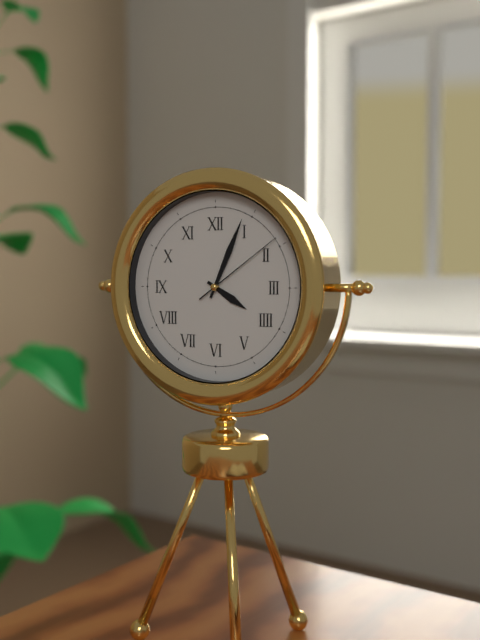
4 h 04 min 09 s
